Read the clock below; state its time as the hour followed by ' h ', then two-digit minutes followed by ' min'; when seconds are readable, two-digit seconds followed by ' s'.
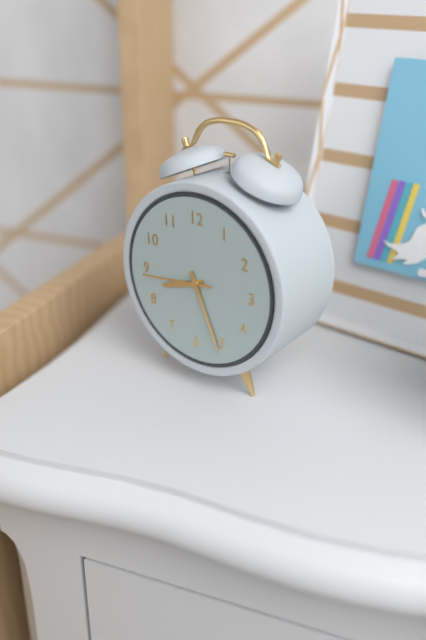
8 h 26 min 44 s
